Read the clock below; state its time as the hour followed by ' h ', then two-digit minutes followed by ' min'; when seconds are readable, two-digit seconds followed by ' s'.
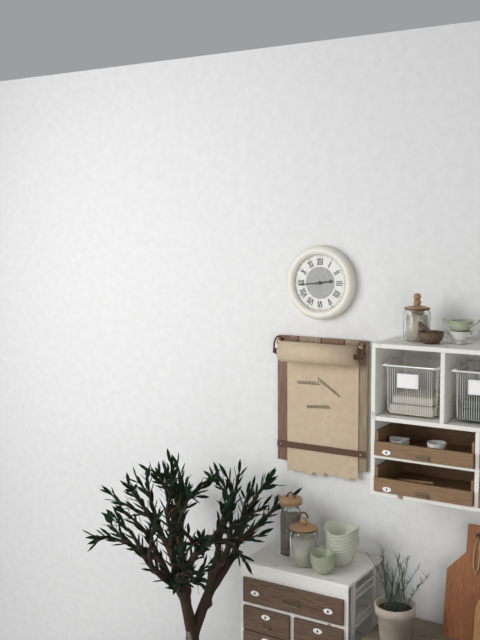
2 h 44 min
